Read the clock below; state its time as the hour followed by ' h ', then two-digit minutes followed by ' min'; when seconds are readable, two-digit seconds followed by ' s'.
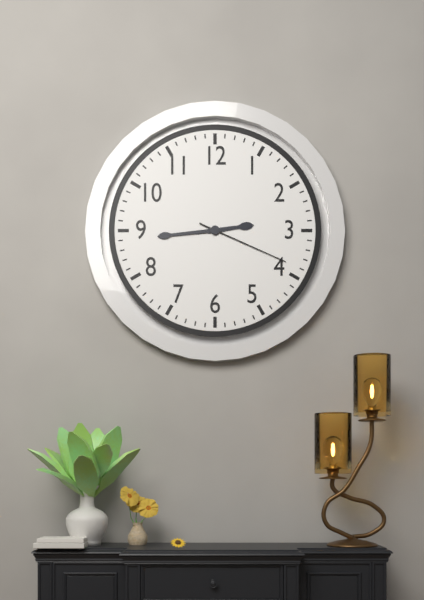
2 h 44 min 19 s
